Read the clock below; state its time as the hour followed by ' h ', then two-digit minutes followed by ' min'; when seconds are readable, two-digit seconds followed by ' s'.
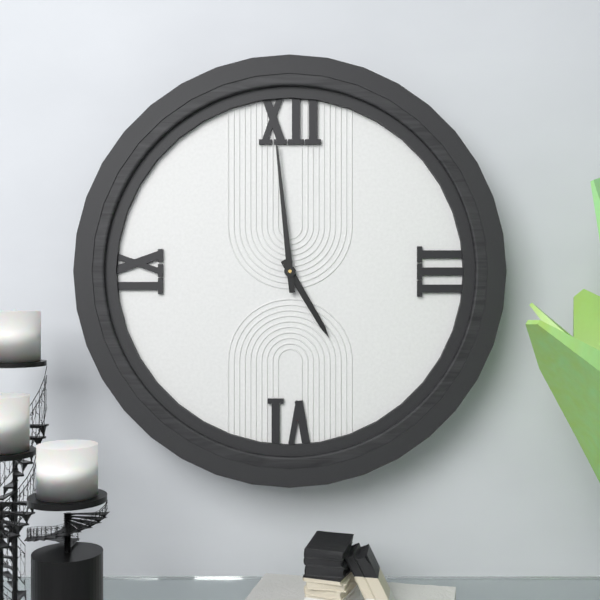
4 h 59 min
